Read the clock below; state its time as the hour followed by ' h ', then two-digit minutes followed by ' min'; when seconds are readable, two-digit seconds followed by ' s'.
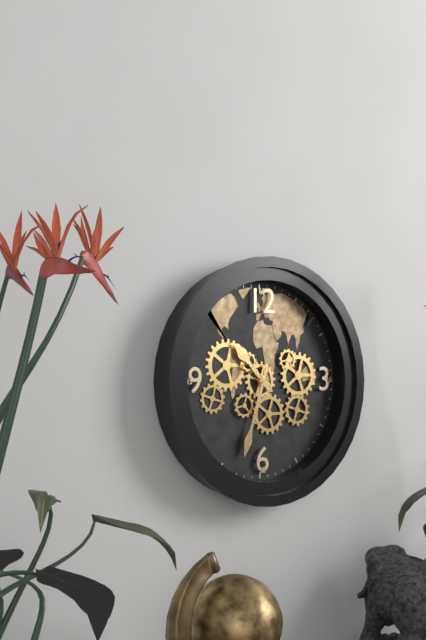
10 h 33 min
